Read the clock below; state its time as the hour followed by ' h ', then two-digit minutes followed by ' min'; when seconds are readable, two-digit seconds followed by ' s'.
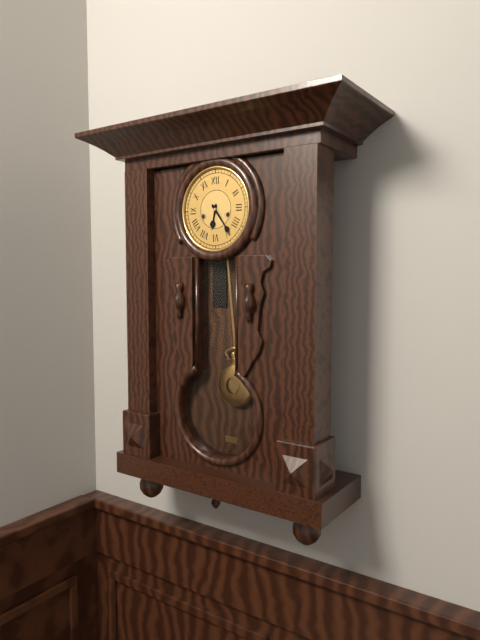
6 h 24 min
